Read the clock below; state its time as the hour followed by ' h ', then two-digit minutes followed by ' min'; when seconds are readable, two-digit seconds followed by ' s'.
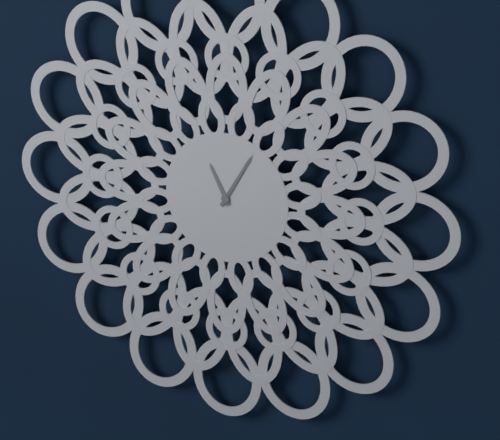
11 h 05 min
